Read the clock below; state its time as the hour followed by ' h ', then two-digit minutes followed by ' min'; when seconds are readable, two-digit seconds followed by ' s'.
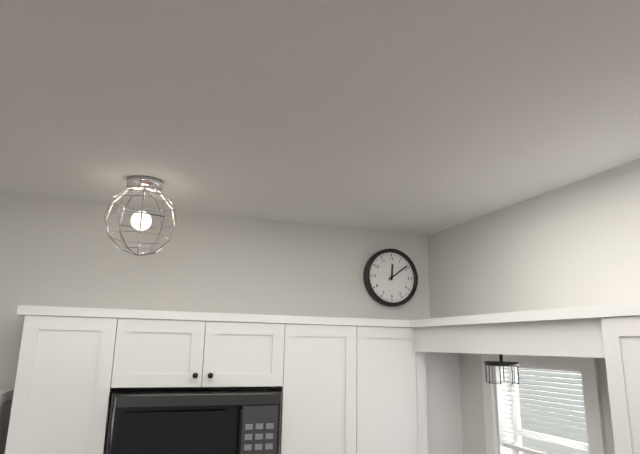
12 h 09 min
